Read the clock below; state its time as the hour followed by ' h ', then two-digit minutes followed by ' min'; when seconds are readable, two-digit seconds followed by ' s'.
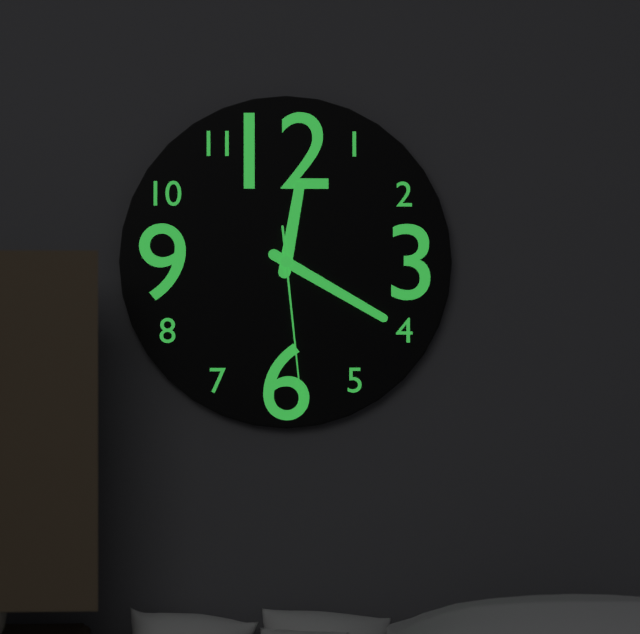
12 h 20 min 29 s
